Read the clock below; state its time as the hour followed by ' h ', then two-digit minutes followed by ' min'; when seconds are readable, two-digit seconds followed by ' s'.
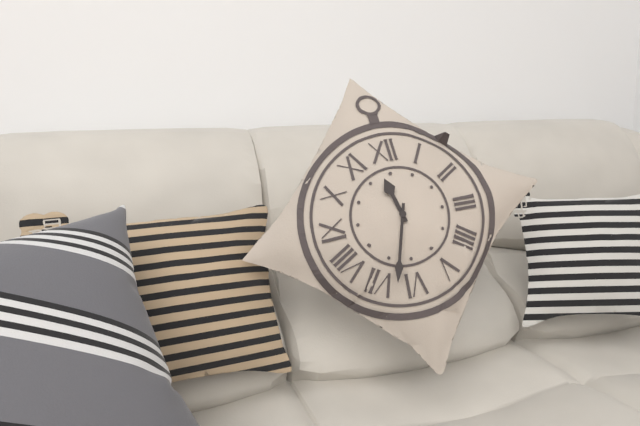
11 h 33 min
